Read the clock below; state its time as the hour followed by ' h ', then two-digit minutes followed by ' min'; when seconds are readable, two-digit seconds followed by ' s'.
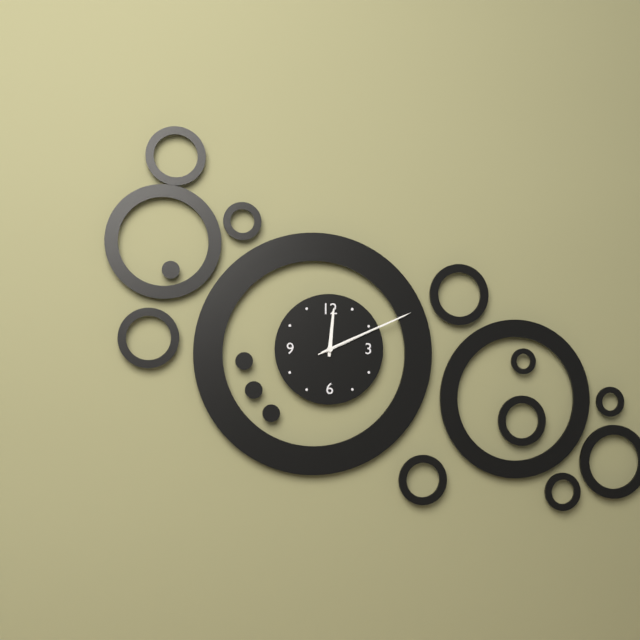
12 h 11 min 11 s
